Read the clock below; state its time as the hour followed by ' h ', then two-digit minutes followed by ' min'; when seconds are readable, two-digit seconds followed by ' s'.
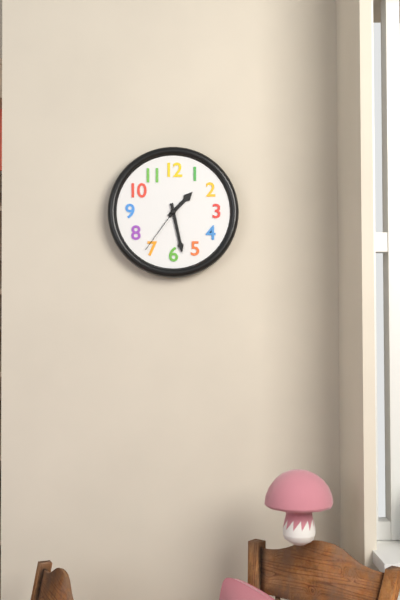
1 h 28 min 36 s
